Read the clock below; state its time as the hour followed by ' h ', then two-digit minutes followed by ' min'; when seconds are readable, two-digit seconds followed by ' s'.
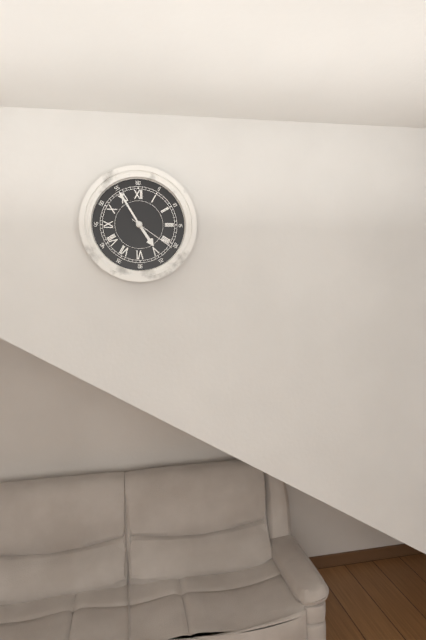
4 h 55 min 21 s
